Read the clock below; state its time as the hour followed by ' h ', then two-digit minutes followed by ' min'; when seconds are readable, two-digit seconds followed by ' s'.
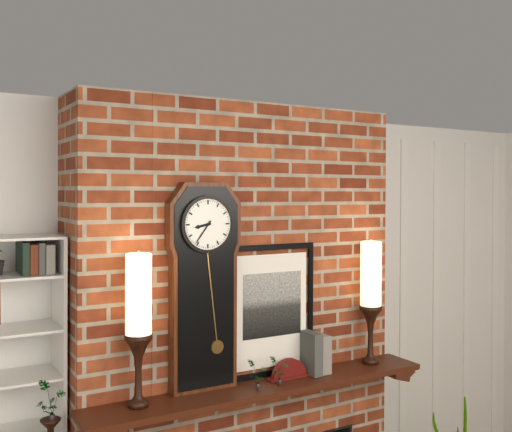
8 h 36 min
